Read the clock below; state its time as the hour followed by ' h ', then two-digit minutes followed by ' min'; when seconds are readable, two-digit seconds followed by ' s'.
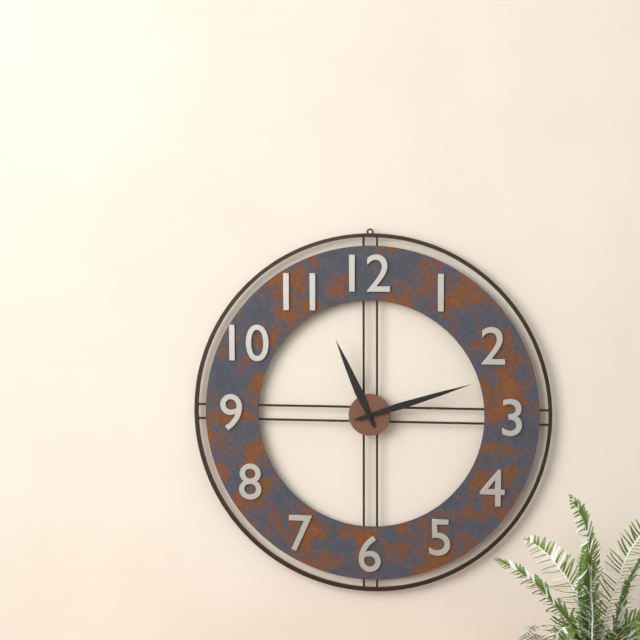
11 h 12 min
